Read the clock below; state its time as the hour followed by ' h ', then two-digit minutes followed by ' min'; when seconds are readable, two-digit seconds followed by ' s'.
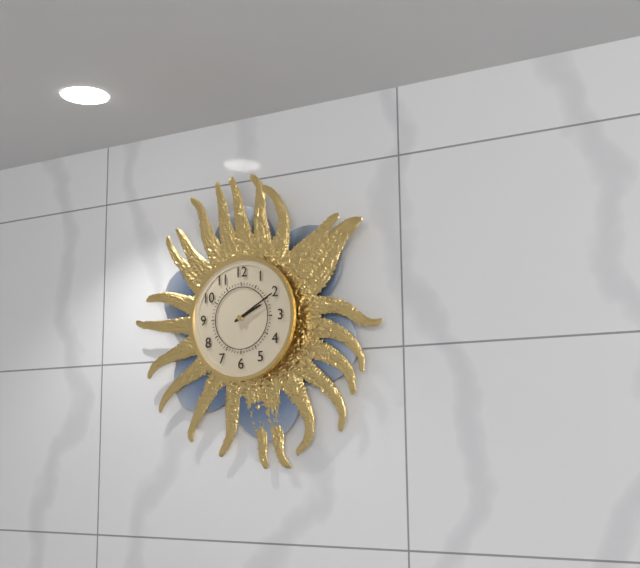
2 h 10 min
